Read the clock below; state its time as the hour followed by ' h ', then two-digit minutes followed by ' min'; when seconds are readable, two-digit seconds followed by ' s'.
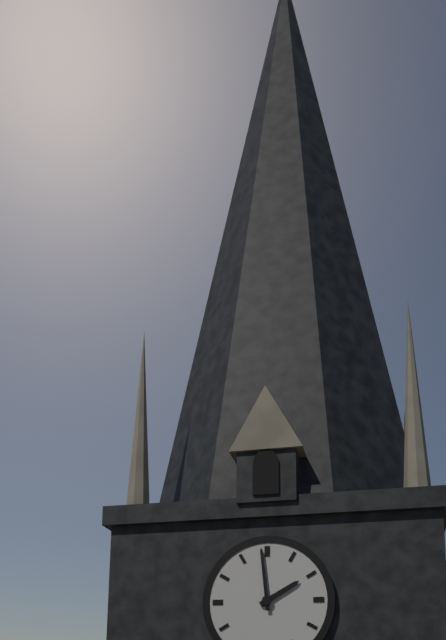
1 h 59 min
